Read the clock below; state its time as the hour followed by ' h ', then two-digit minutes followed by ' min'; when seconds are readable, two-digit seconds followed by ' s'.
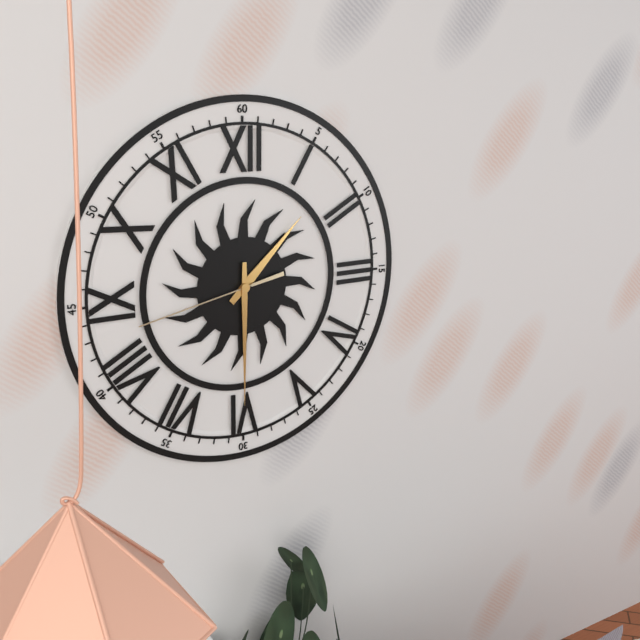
1 h 30 min 43 s
